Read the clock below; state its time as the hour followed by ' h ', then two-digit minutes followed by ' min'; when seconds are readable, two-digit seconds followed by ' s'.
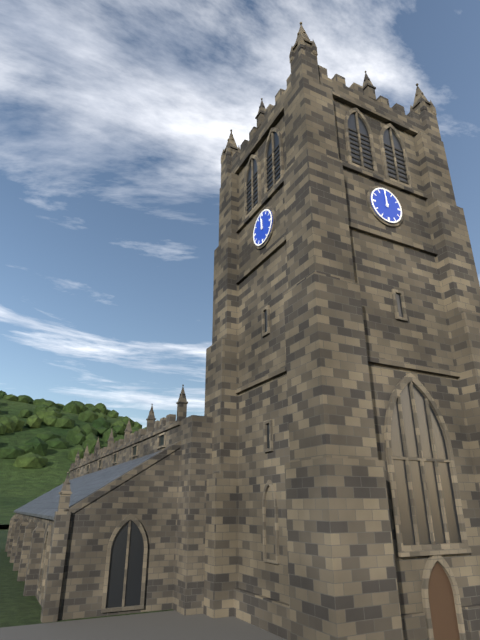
11 h 59 min
